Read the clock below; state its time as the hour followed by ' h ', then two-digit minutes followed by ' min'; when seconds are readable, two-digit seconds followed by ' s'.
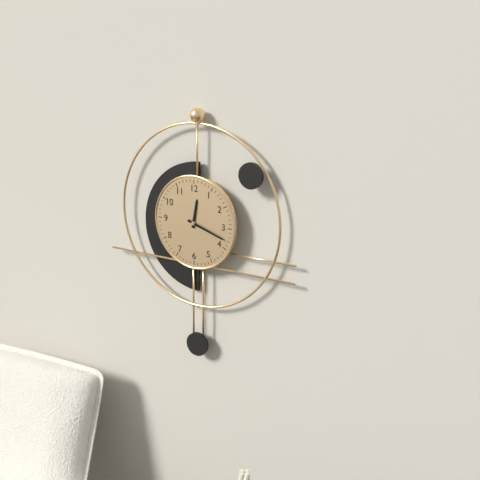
12 h 18 min
